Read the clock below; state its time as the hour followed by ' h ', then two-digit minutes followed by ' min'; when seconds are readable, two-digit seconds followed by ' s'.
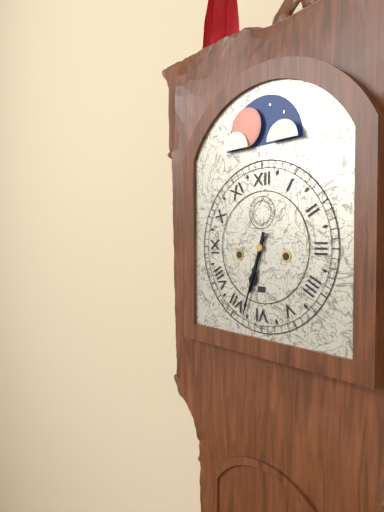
6 h 33 min
